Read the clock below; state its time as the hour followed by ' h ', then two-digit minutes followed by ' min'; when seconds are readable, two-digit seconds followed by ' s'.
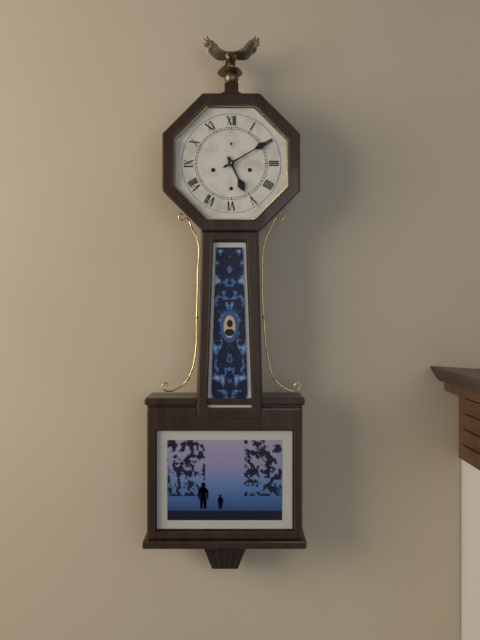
5 h 10 min
